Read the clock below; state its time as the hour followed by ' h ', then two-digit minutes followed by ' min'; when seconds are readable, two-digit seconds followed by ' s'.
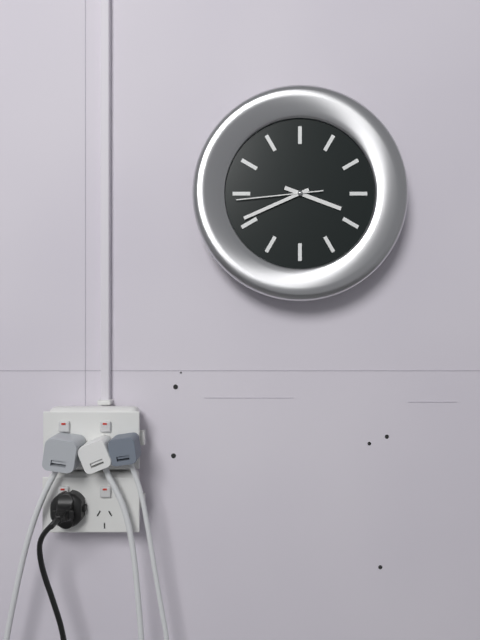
3 h 41 min 44 s
